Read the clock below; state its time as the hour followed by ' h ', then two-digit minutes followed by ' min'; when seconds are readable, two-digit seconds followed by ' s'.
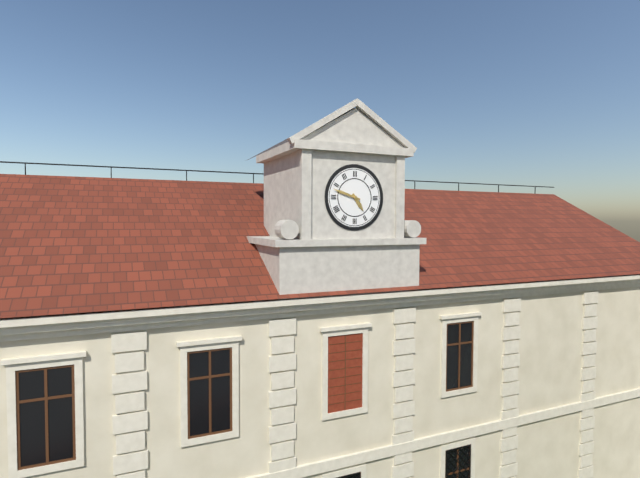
4 h 48 min
